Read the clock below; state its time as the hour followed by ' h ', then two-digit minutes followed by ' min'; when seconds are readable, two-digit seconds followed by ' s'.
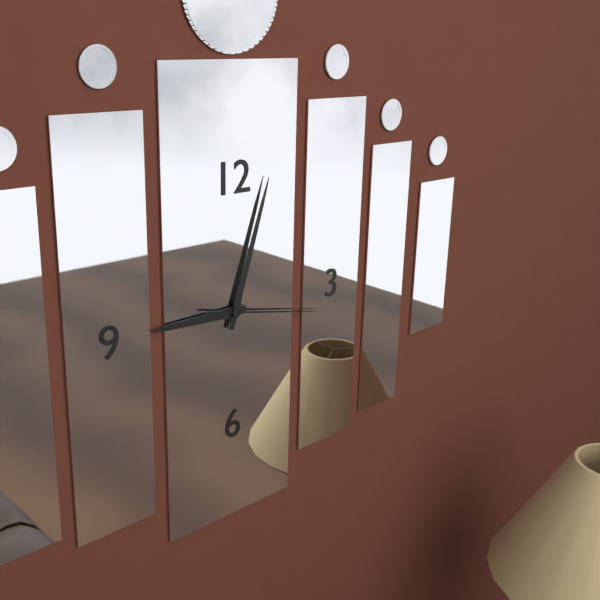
9 h 03 min 17 s
